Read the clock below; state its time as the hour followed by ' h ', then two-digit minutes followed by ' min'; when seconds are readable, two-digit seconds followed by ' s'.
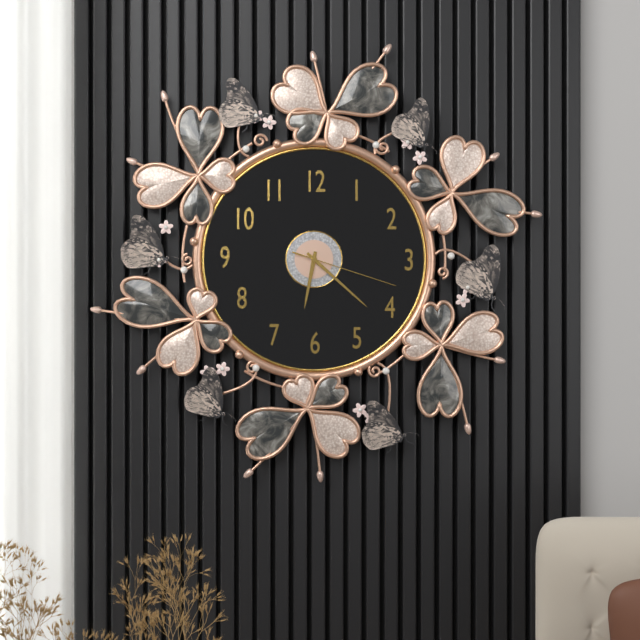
6 h 22 min 18 s
